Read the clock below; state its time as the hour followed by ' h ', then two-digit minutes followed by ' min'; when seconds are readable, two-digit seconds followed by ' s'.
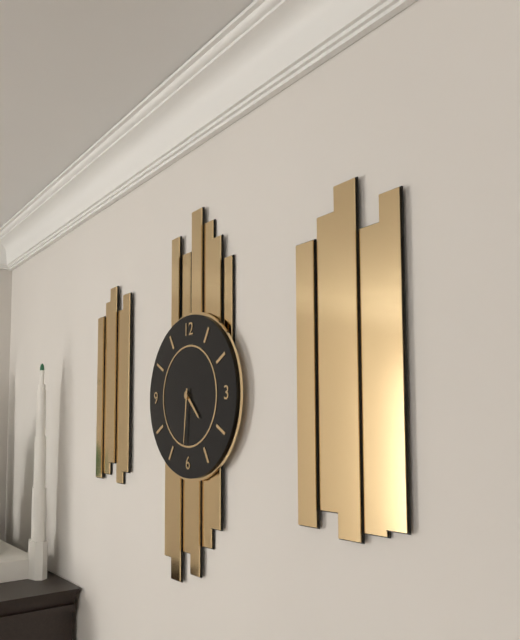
4 h 31 min
